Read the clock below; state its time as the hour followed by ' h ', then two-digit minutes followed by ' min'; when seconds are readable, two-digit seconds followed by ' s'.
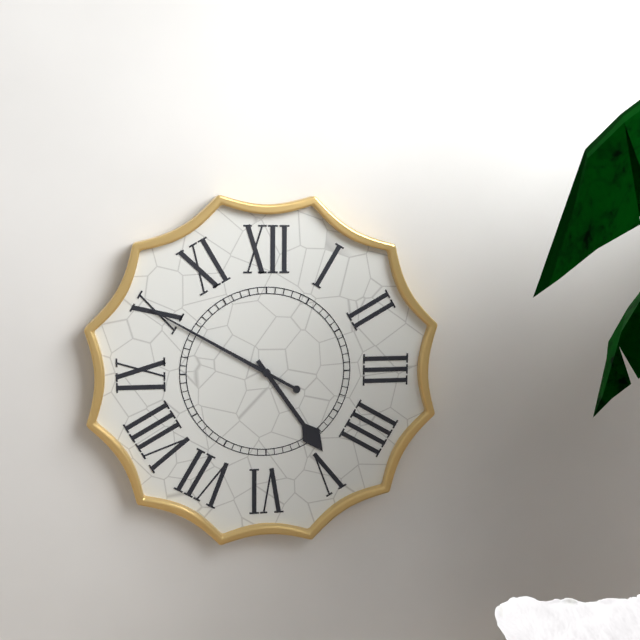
4 h 50 min
